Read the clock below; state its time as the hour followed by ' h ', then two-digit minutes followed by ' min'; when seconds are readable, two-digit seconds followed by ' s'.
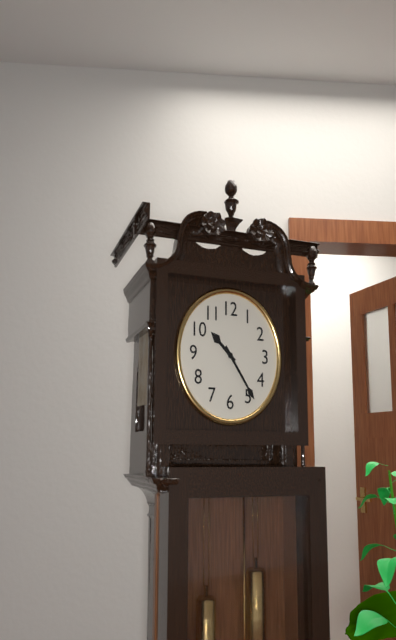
10 h 24 min
